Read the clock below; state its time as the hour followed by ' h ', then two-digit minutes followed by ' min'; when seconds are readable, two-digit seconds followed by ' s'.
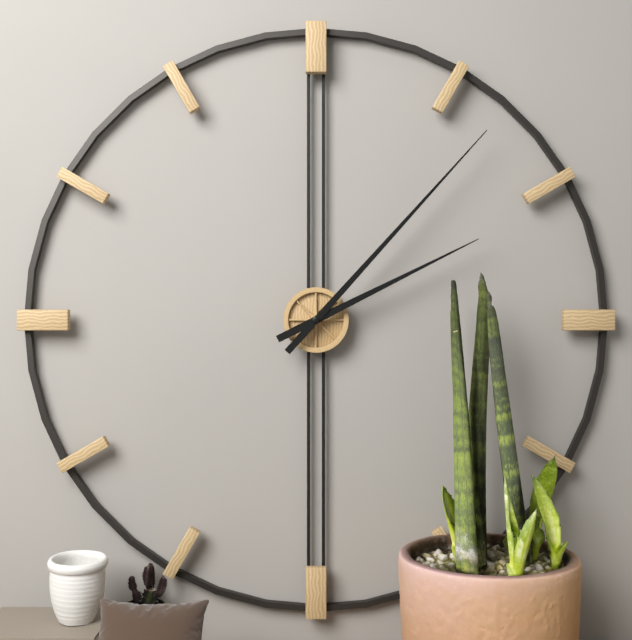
2 h 07 min
